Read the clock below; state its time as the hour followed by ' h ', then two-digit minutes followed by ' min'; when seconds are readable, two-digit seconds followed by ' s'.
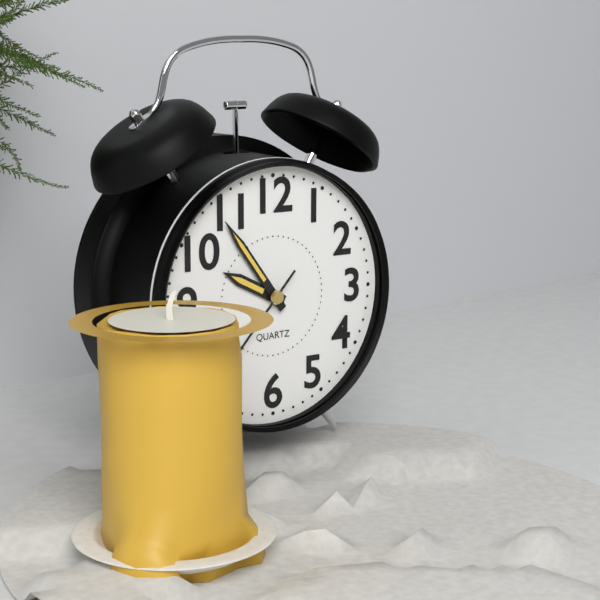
9 h 54 min
